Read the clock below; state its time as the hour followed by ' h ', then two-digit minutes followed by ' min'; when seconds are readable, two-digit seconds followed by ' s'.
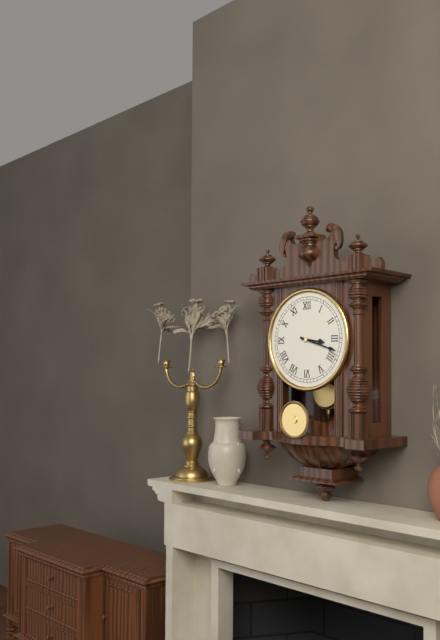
3 h 18 min
